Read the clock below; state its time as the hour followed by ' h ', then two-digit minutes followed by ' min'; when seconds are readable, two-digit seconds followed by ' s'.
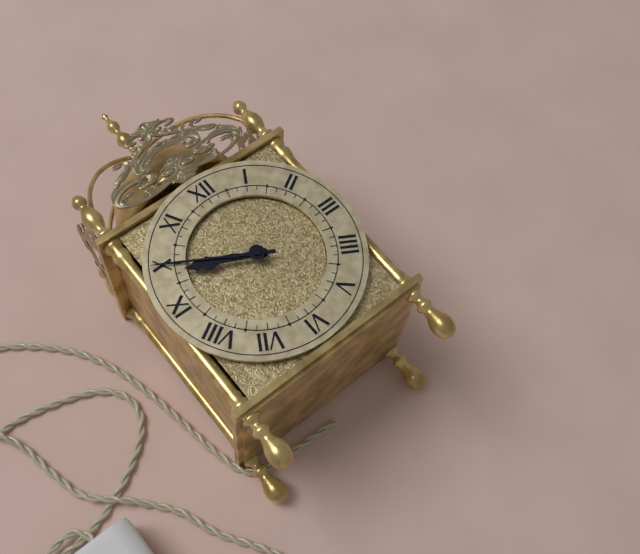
9 h 50 min
